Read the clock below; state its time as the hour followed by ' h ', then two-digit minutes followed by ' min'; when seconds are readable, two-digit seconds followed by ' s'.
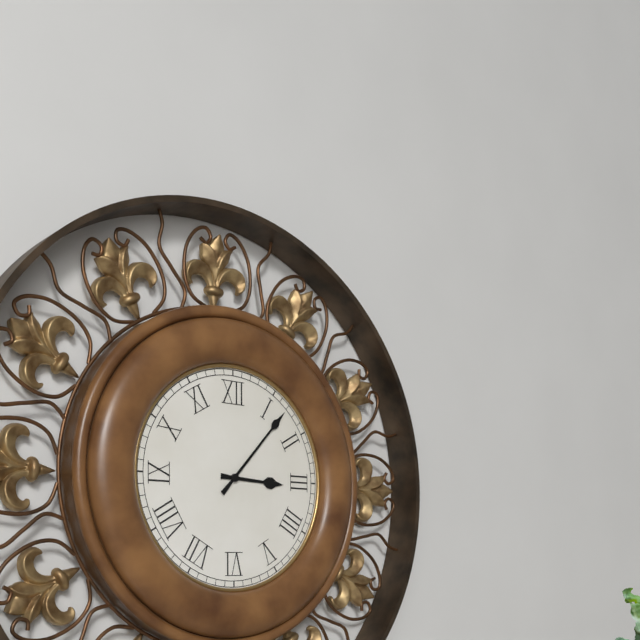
3 h 07 min
